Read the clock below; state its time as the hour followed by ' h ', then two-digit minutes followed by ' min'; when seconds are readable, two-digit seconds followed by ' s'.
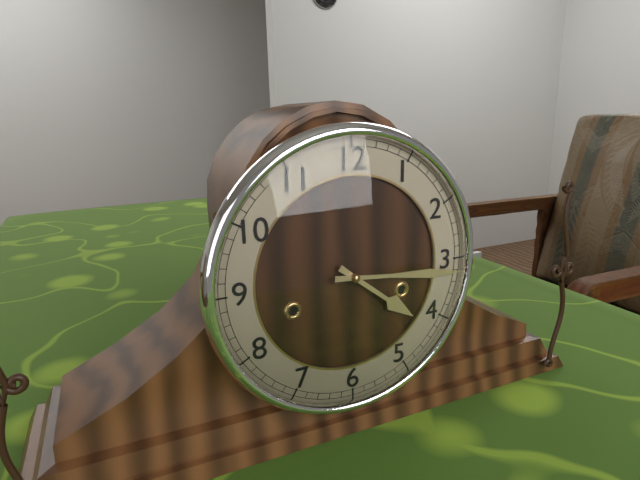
4 h 16 min
